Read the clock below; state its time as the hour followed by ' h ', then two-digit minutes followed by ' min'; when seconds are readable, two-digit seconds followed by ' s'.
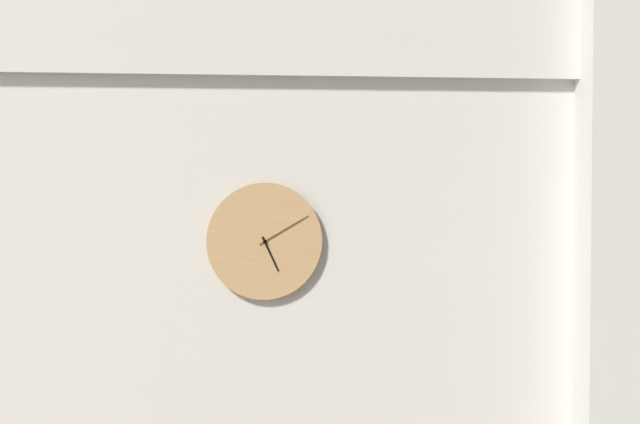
5 h 10 min
